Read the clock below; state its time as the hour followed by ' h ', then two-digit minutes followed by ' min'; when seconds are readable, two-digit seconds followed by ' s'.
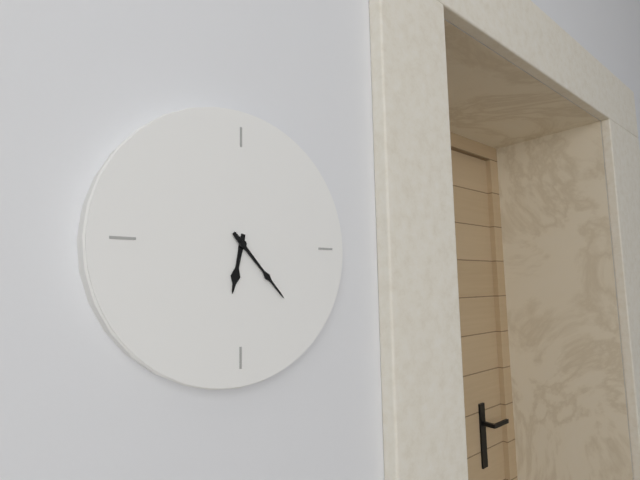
6 h 23 min
